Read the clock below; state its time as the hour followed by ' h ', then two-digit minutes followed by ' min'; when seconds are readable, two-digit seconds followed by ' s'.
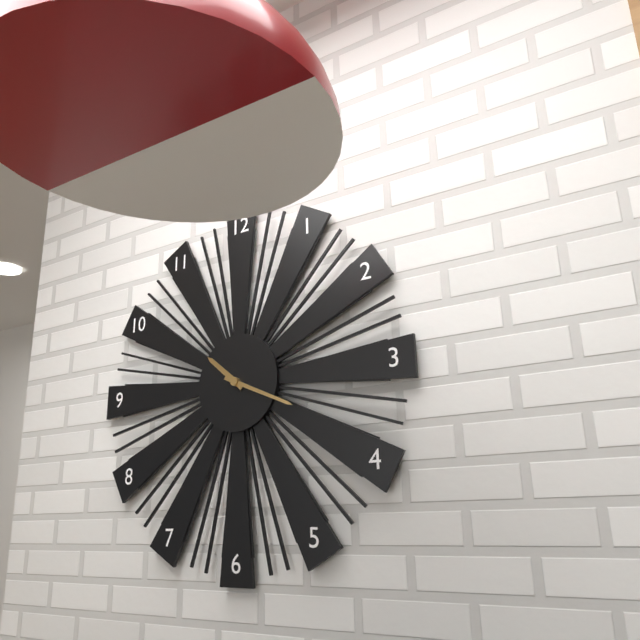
10 h 19 min
